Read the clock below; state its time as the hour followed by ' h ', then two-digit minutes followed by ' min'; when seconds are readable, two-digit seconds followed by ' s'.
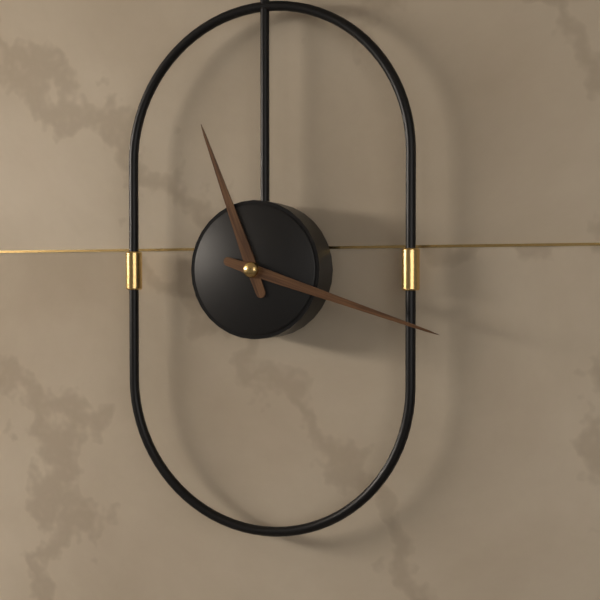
11 h 18 min
